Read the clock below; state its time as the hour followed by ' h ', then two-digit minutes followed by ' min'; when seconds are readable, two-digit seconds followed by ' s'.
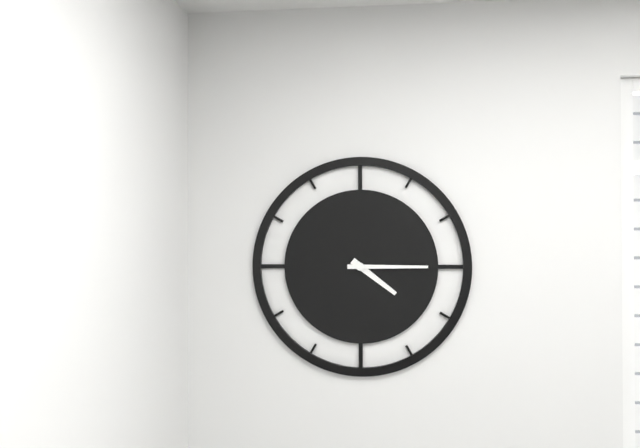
4 h 15 min
